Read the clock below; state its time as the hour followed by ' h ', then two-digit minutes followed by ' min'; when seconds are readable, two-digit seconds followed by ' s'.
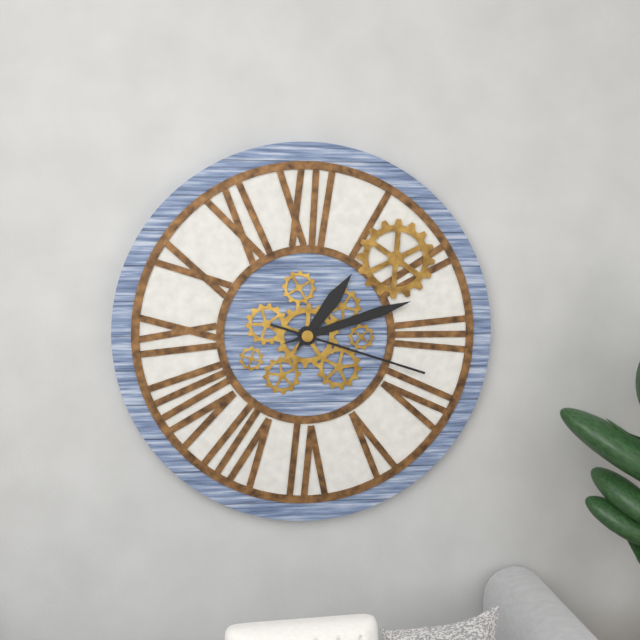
1 h 12 min 18 s
